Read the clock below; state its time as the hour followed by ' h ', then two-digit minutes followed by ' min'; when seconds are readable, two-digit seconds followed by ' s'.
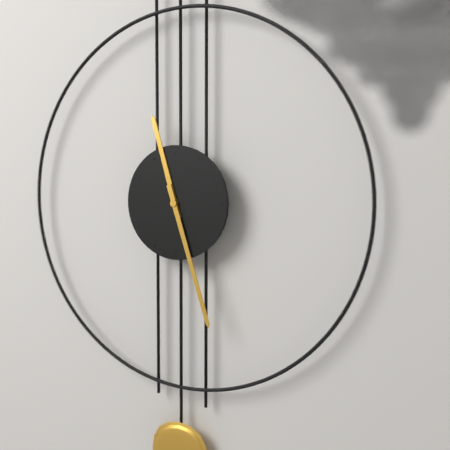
11 h 27 min
